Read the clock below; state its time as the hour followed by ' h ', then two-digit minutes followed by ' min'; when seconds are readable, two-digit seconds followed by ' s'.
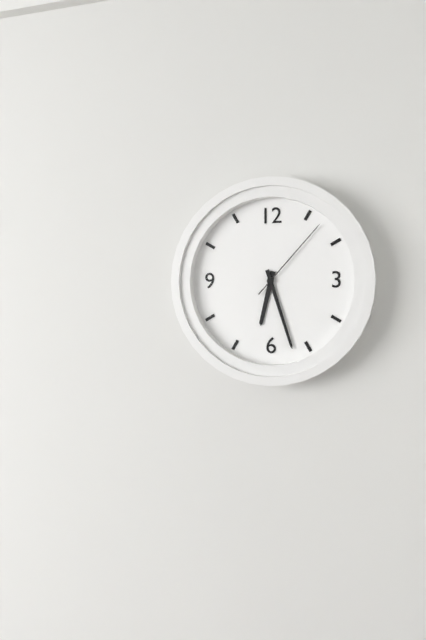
6 h 27 min 07 s
